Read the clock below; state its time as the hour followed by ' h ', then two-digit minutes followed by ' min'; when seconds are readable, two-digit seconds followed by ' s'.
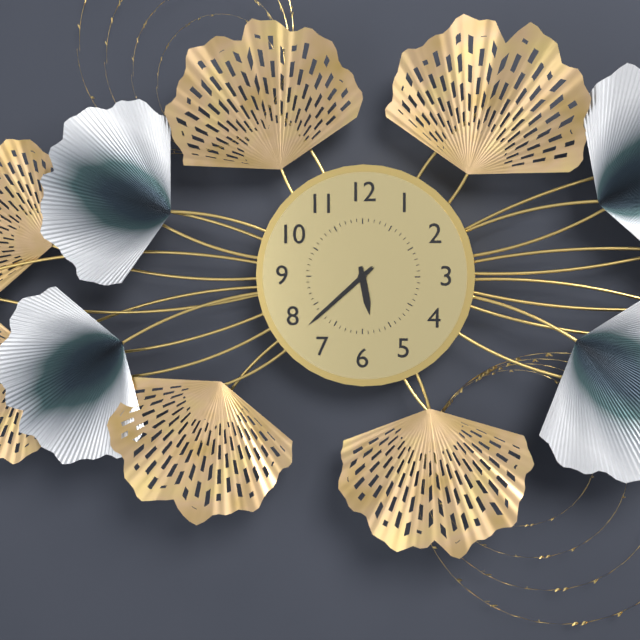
5 h 38 min
